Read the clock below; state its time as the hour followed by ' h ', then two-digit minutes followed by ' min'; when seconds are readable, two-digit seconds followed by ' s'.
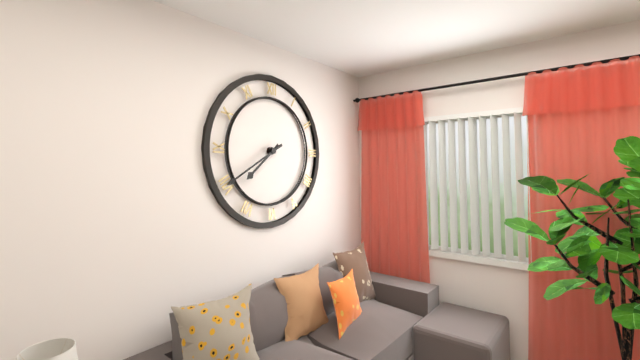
7 h 40 min
